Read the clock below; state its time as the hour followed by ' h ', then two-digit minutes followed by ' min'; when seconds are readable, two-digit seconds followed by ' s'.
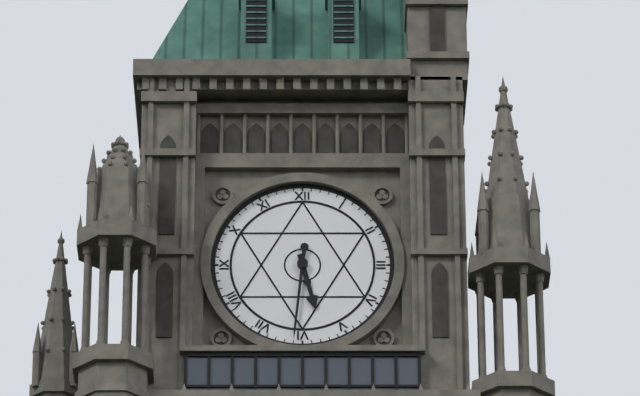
5 h 31 min
